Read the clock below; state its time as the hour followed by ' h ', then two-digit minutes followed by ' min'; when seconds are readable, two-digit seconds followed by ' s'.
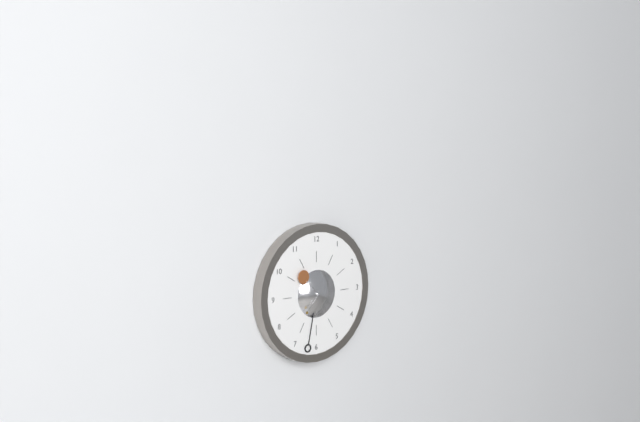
10 h 32 min
